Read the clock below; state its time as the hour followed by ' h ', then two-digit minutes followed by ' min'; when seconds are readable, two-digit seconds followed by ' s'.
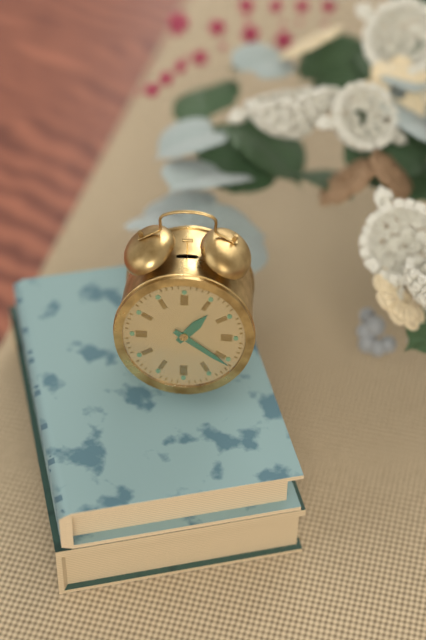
1 h 21 min
